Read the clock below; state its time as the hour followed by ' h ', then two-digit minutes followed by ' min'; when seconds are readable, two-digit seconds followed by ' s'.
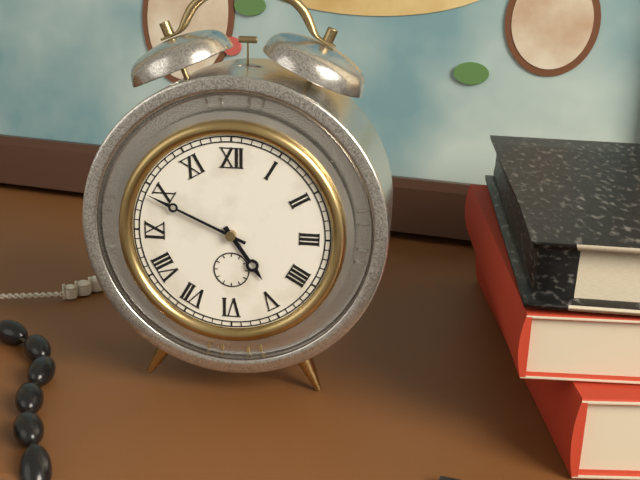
4 h 49 min
